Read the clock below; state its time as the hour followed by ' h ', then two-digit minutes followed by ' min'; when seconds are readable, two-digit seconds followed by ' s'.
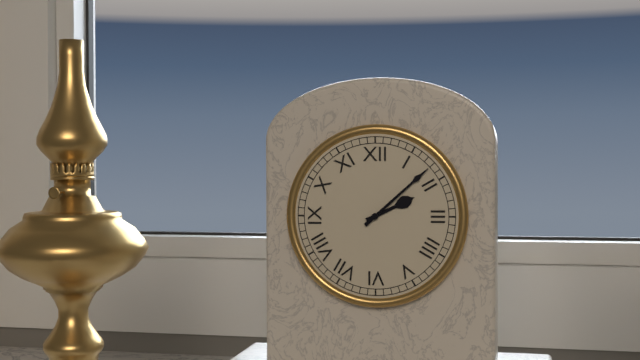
2 h 08 min
